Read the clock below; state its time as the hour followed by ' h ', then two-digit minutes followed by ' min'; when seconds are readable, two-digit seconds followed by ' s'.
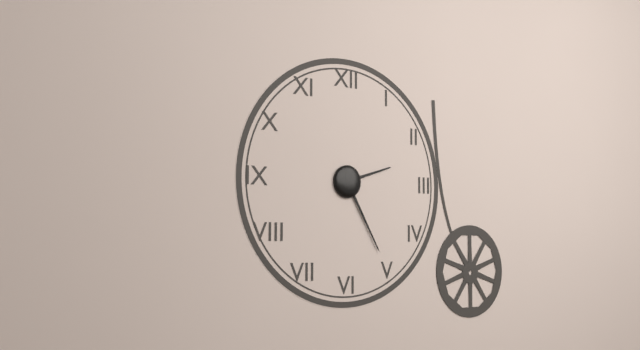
2 h 25 min
